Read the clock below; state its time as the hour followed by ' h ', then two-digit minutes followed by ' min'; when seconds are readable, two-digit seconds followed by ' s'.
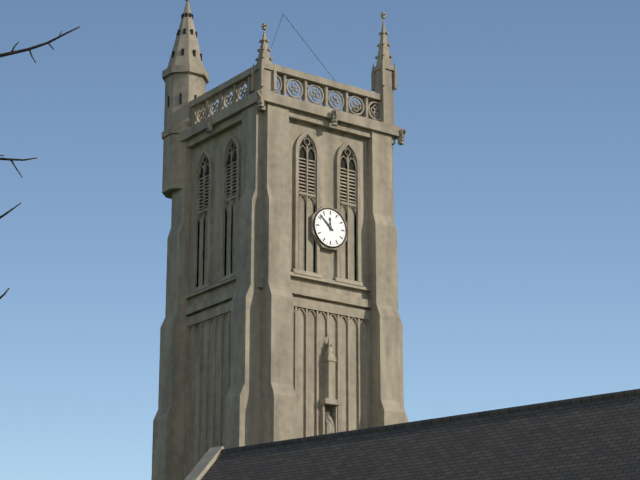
11 h 52 min
